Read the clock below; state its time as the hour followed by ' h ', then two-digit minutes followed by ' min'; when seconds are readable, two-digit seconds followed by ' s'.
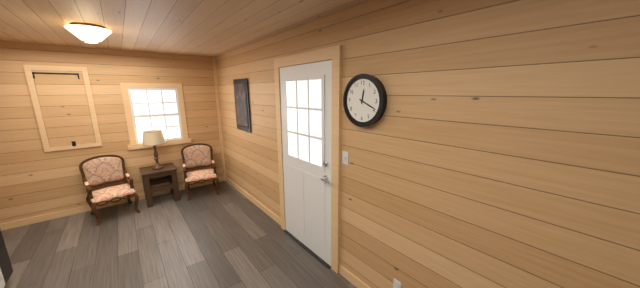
12 h 19 min
